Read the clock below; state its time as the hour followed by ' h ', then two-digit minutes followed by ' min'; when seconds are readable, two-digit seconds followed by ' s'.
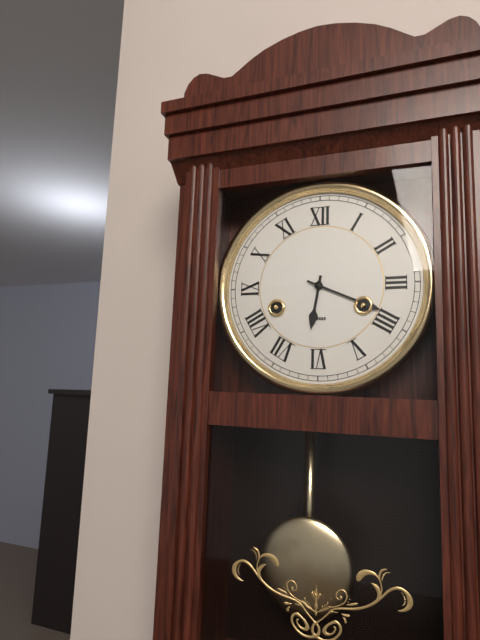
6 h 19 min
